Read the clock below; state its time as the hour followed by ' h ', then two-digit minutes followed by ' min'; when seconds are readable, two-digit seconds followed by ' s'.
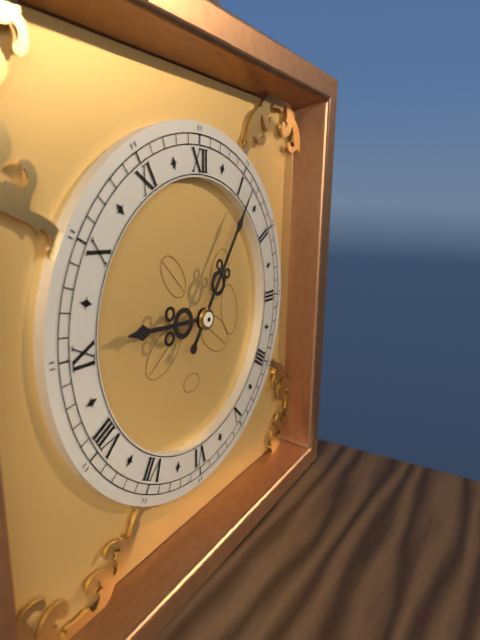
9 h 06 min
